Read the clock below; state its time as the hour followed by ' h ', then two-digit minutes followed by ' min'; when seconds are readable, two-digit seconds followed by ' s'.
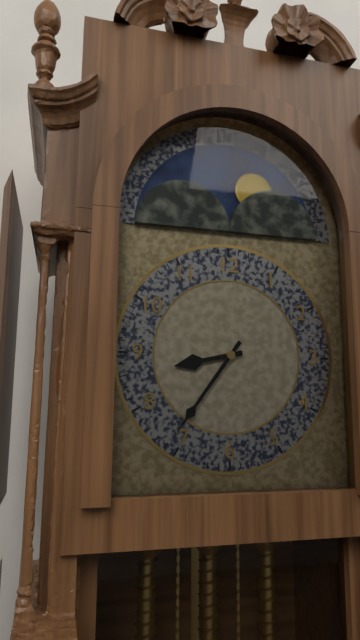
8 h 36 min
